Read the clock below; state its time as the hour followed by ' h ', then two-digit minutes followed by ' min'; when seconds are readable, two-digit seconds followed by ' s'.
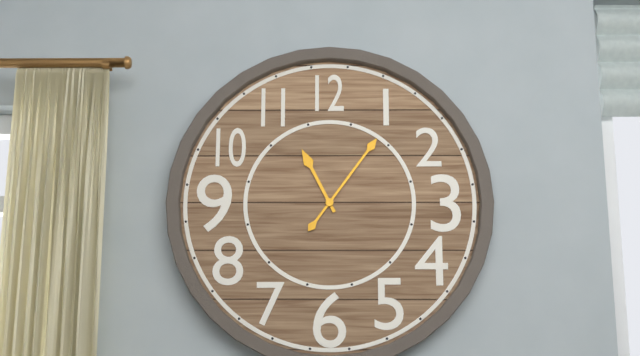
11 h 06 min
